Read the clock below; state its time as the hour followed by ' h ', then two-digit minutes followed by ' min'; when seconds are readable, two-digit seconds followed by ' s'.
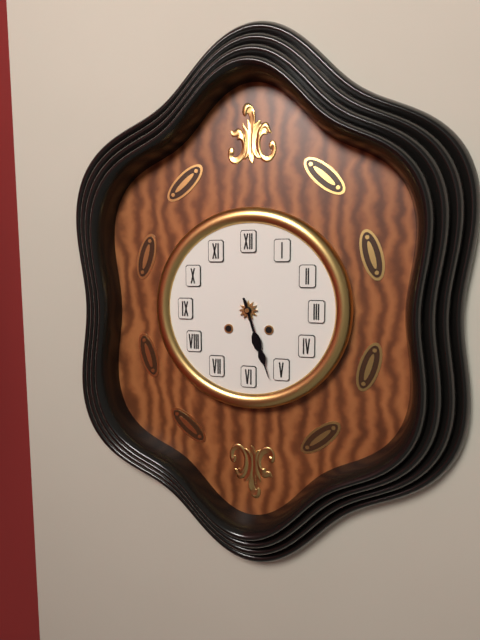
5 h 27 min
